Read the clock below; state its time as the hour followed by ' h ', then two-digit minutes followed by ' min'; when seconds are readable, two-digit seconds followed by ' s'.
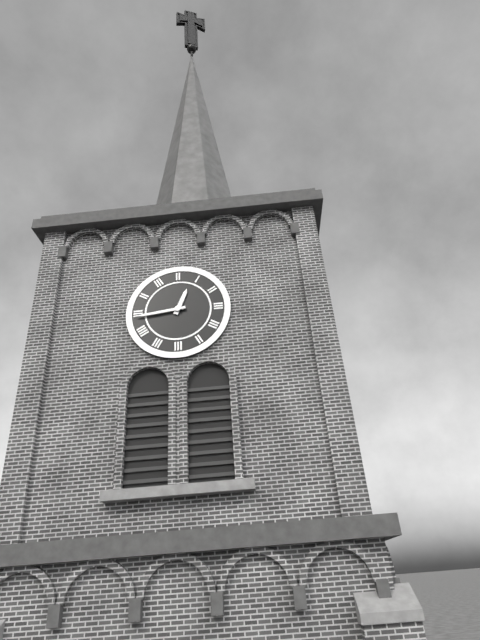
12 h 44 min
